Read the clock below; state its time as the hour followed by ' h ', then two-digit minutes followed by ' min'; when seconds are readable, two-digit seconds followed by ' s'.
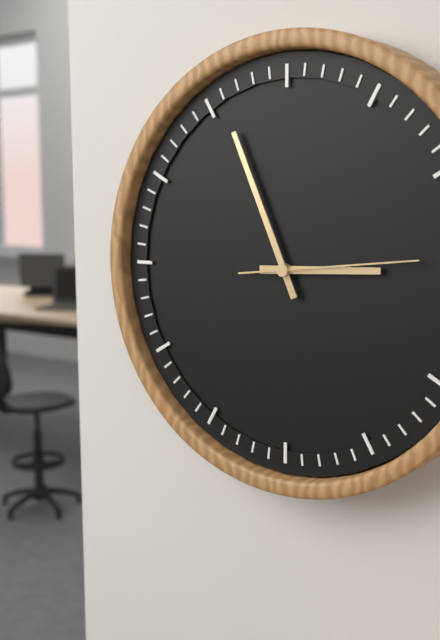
2 h 56 min 14 s
